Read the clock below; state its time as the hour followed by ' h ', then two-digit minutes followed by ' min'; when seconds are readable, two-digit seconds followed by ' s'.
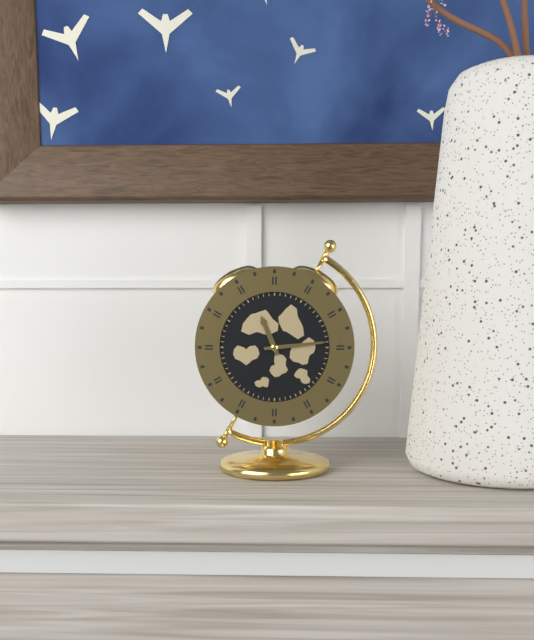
11 h 14 min
